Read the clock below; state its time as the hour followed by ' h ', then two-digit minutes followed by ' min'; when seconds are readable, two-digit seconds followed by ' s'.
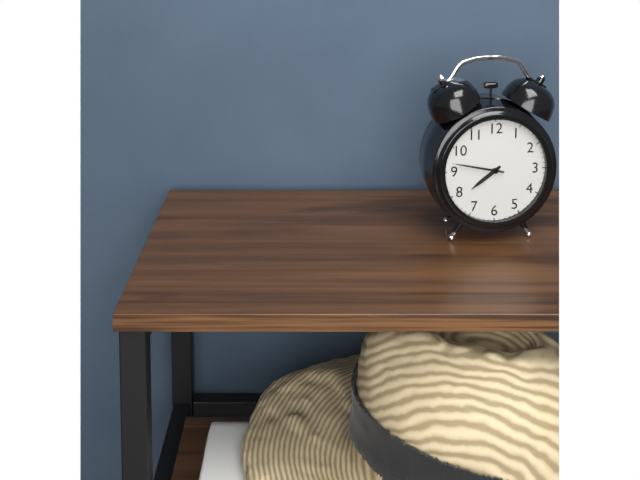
7 h 47 min
